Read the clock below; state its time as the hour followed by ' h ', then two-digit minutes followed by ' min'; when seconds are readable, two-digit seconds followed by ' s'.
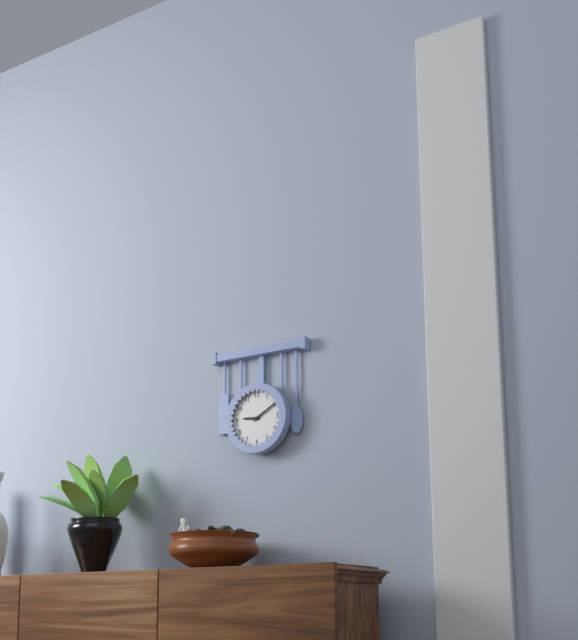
9 h 10 min
